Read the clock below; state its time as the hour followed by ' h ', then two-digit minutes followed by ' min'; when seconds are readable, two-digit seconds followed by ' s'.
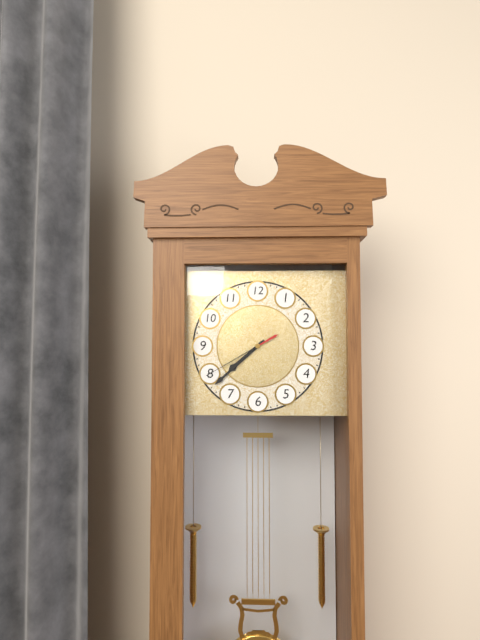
7 h 38 min 40 s
